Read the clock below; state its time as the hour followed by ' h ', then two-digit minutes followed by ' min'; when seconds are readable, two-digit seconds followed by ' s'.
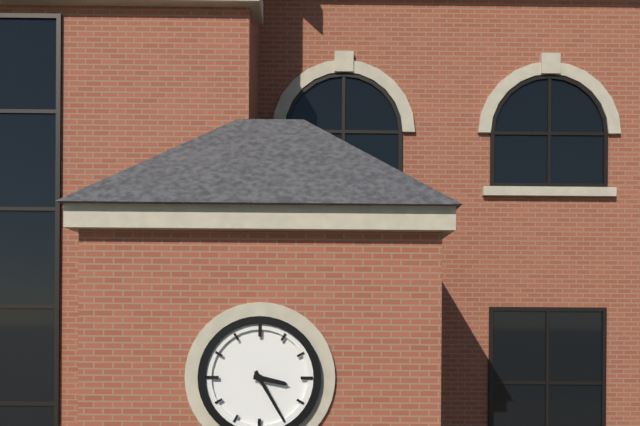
3 h 25 min
